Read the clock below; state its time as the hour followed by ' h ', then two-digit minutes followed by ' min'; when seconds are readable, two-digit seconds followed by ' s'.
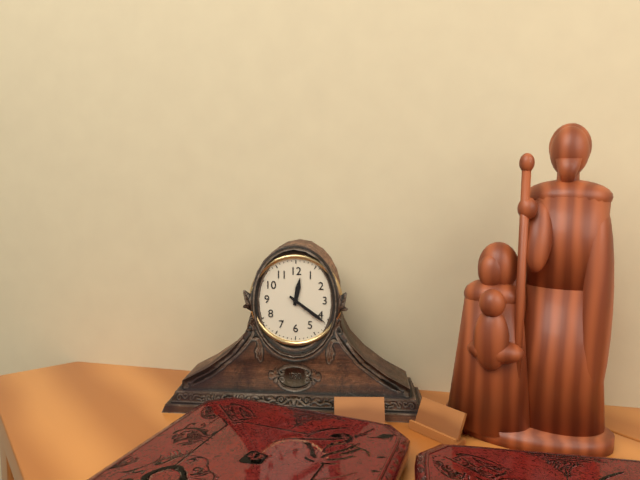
12 h 21 min
